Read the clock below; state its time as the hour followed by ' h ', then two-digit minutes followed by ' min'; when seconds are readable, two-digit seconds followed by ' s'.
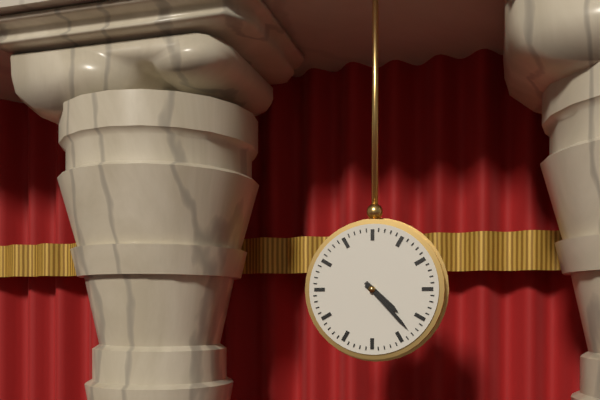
4 h 23 min
